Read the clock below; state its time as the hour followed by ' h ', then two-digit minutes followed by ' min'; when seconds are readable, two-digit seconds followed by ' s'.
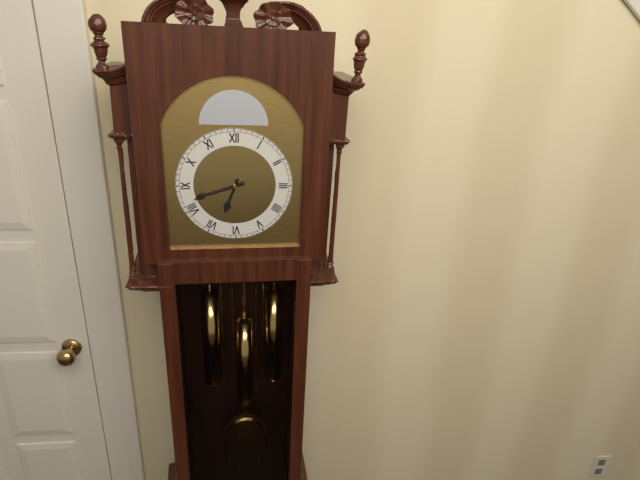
6 h 42 min
